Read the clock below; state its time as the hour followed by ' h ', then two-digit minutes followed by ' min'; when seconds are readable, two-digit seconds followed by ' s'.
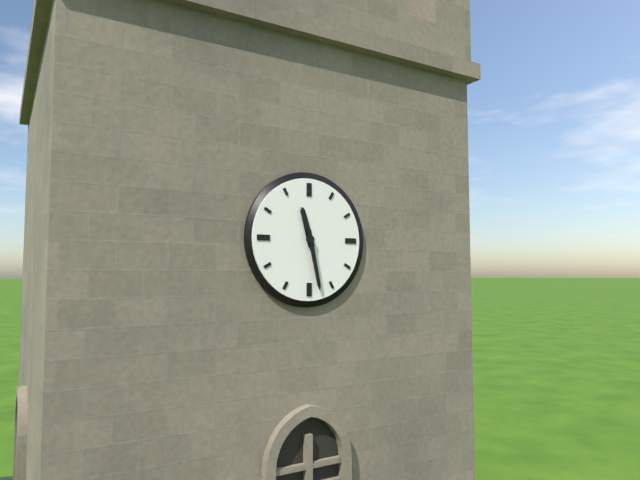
11 h 28 min
